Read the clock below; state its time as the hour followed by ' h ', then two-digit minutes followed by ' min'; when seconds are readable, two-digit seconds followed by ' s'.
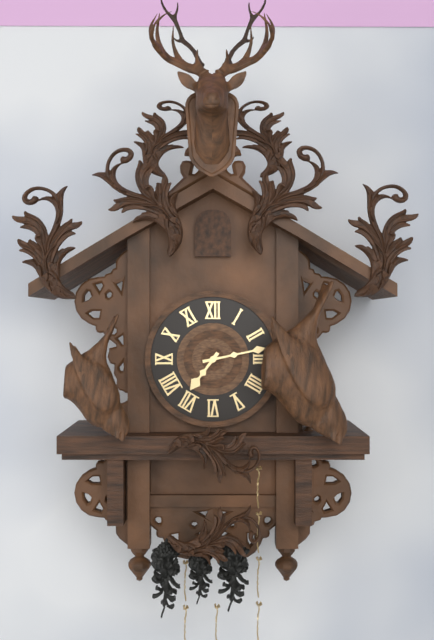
7 h 13 min
